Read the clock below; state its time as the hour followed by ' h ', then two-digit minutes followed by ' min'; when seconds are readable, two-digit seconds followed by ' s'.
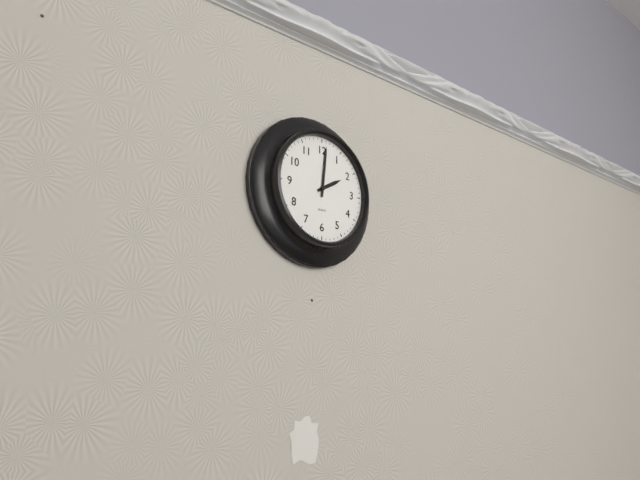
2 h 01 min
